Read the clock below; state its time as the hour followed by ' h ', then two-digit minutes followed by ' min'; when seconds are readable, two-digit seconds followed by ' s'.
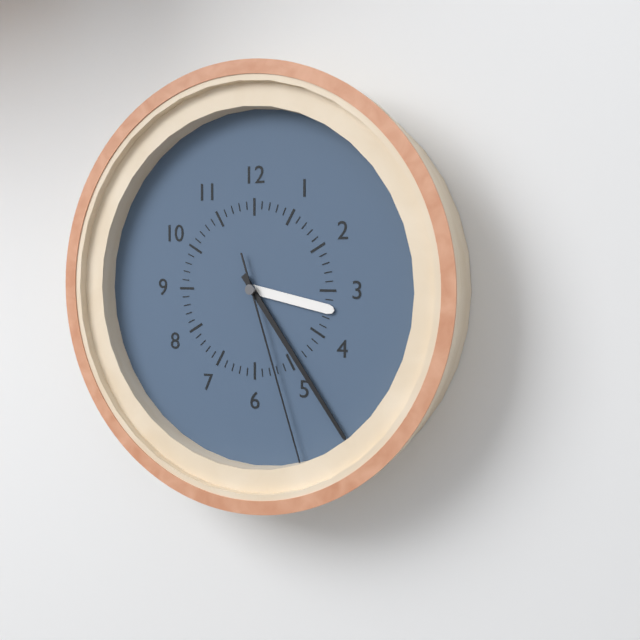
3 h 24 min 27 s
